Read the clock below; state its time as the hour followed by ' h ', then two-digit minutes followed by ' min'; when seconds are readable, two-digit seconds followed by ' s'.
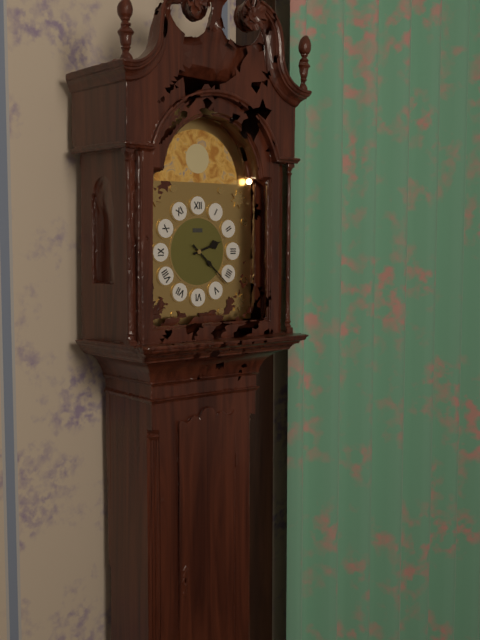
2 h 22 min
